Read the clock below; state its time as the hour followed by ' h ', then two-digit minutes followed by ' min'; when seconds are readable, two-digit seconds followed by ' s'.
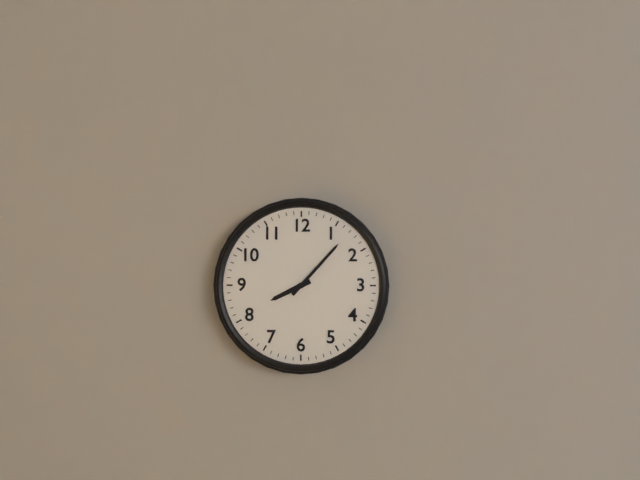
8 h 07 min
